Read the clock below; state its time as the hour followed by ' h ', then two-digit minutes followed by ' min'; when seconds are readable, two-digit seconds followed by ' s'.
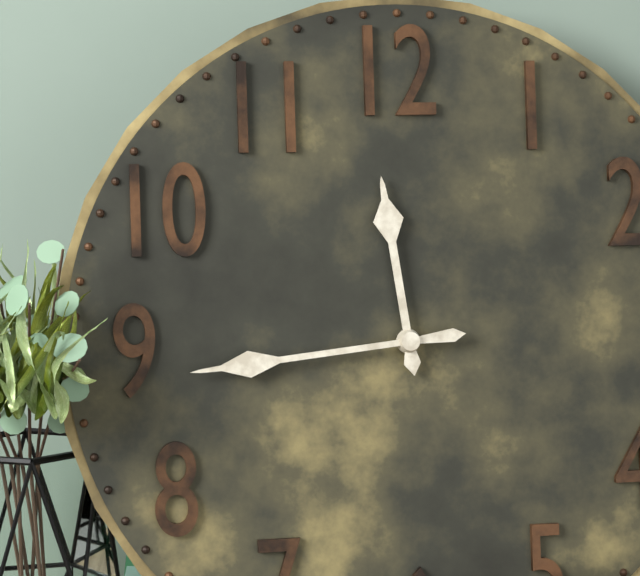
11 h 44 min
